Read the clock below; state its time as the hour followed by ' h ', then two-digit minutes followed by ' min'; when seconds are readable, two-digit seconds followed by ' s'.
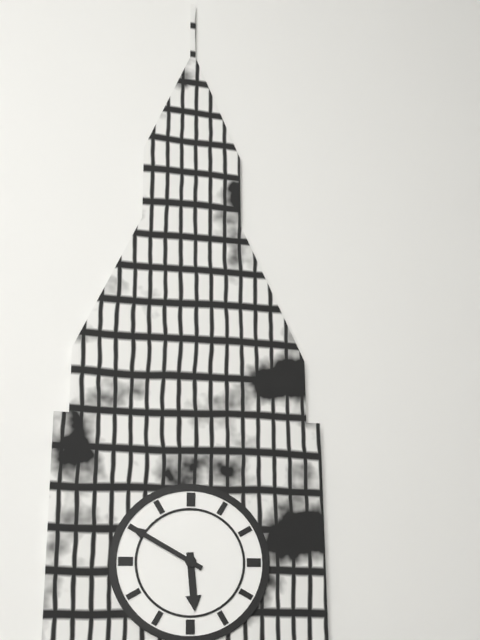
5 h 50 min
